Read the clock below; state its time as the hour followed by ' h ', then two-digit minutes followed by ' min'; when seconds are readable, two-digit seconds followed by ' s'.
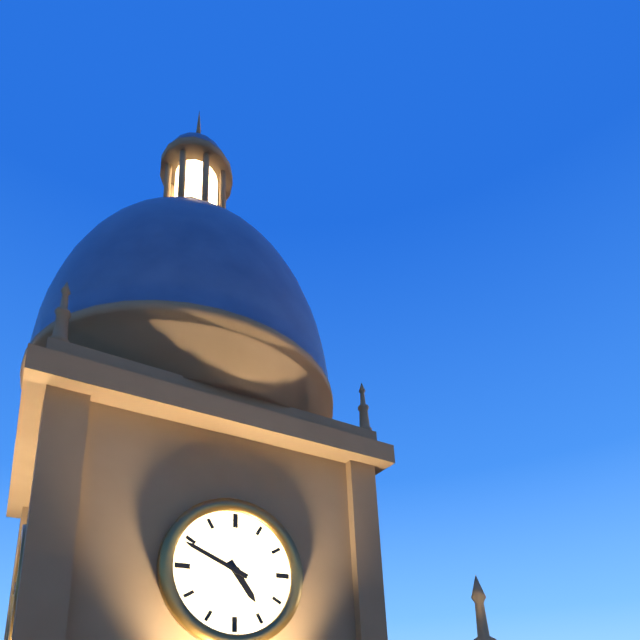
4 h 49 min
